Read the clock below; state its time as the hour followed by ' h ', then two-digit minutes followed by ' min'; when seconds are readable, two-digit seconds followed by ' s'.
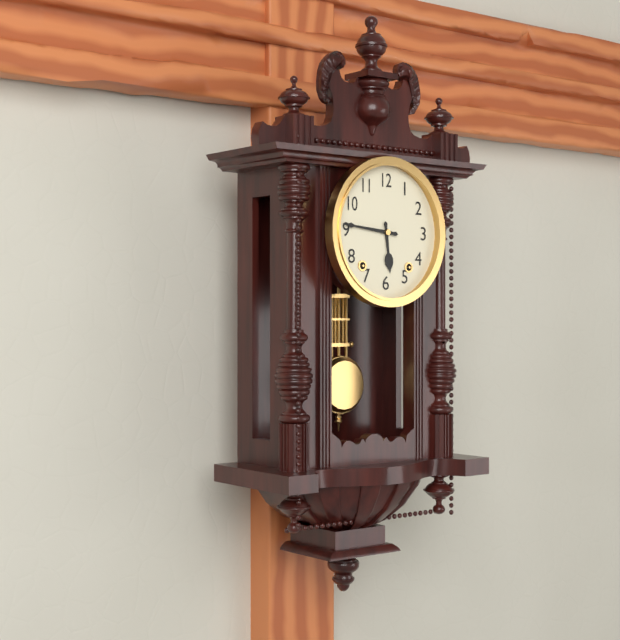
5 h 46 min
